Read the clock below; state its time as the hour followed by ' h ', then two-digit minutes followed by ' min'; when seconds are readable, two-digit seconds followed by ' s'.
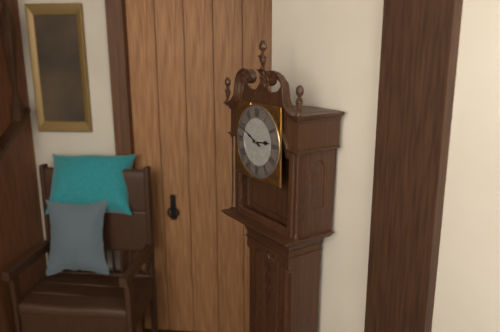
2 h 49 min
